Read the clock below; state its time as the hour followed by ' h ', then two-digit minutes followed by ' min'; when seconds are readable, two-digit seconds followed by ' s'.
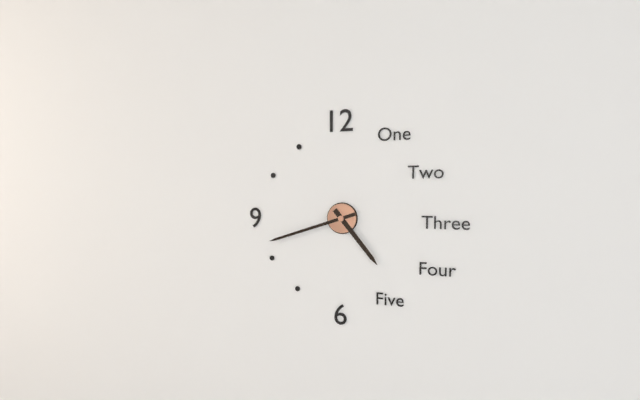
4 h 42 min
